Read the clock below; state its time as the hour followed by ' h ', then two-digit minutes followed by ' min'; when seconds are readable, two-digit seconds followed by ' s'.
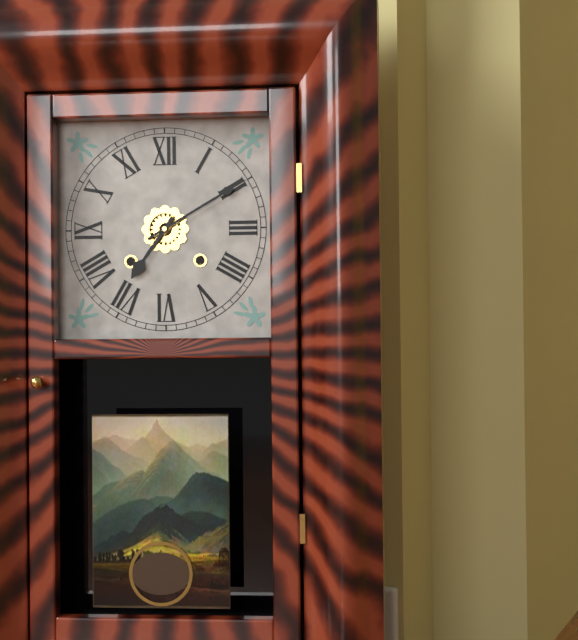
7 h 10 min
